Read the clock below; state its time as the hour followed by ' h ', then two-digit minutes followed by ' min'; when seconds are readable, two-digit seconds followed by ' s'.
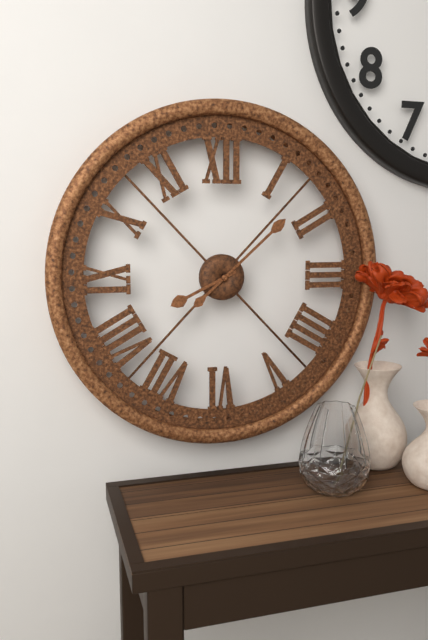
8 h 08 min
